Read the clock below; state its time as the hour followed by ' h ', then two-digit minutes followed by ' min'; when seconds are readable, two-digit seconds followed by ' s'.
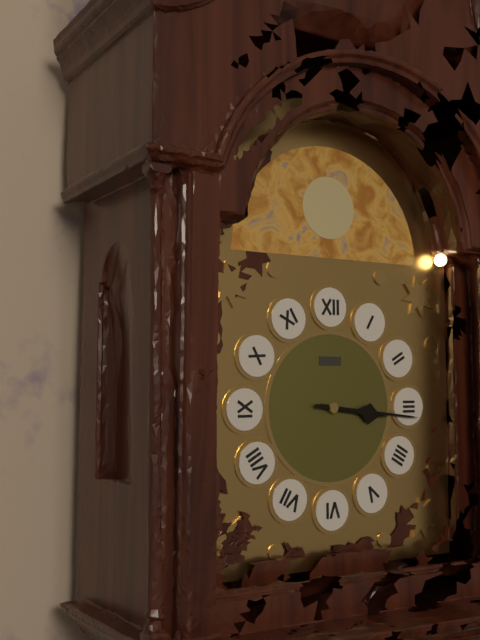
3 h 16 min
